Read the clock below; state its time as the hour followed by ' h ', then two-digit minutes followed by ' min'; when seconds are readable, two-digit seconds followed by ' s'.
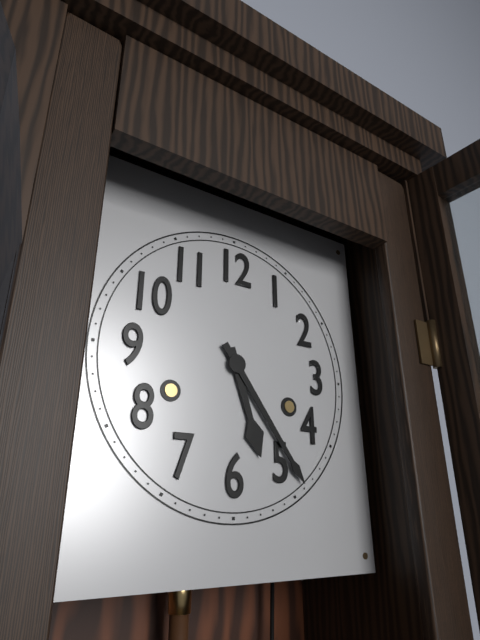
5 h 24 min
